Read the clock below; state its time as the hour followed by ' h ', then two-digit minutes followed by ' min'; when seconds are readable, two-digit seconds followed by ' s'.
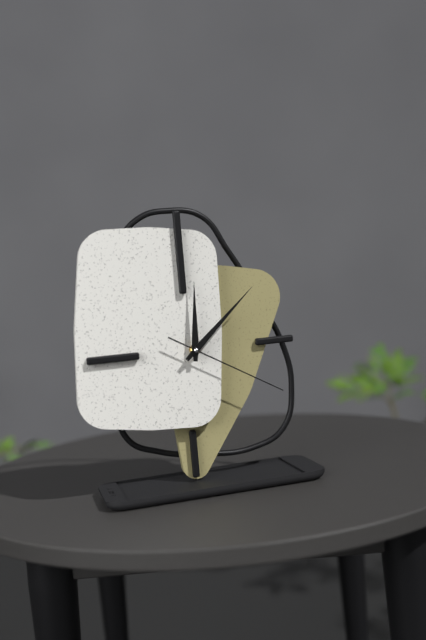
12 h 08 min 20 s
